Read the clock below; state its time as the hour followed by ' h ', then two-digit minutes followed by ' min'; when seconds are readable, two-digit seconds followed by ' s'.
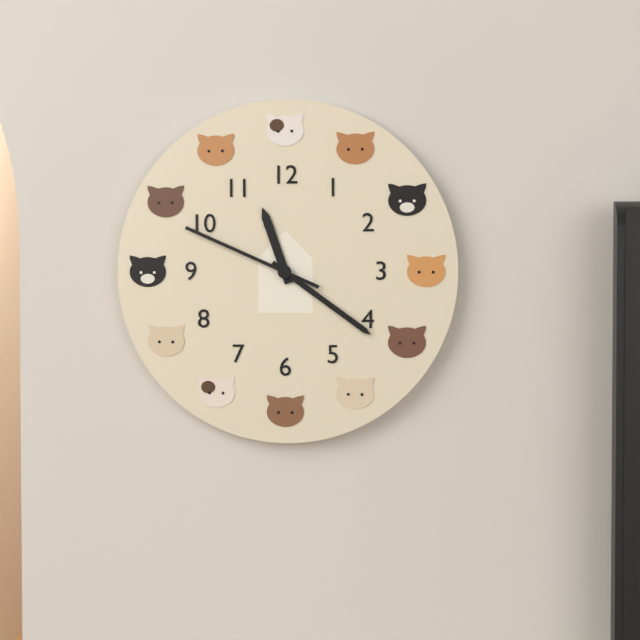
11 h 21 min 49 s
